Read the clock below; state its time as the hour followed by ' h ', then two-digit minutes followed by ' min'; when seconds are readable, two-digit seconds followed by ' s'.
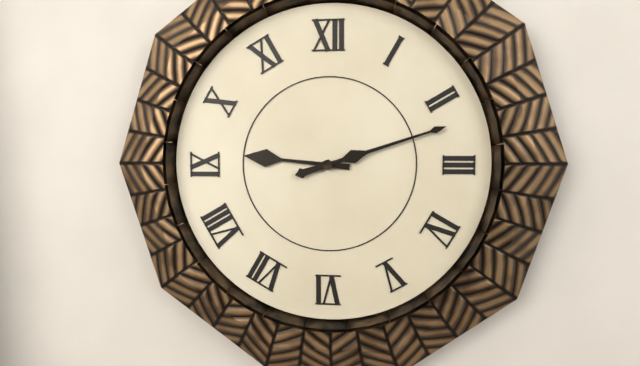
9 h 12 min
